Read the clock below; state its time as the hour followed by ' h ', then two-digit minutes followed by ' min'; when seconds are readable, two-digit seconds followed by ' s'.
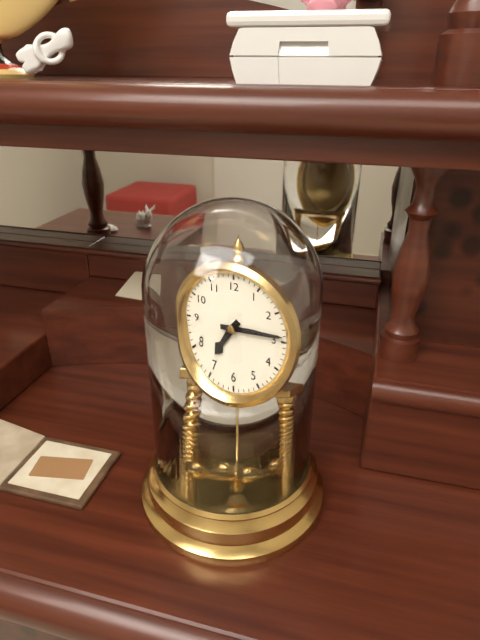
7 h 14 min
